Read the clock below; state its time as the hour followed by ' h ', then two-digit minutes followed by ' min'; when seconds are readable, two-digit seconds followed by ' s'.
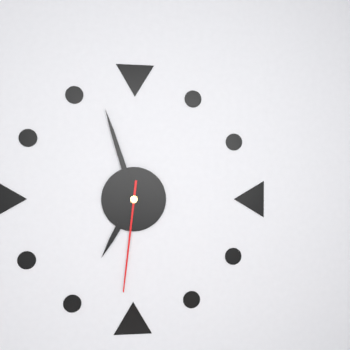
6 h 57 min 31 s
